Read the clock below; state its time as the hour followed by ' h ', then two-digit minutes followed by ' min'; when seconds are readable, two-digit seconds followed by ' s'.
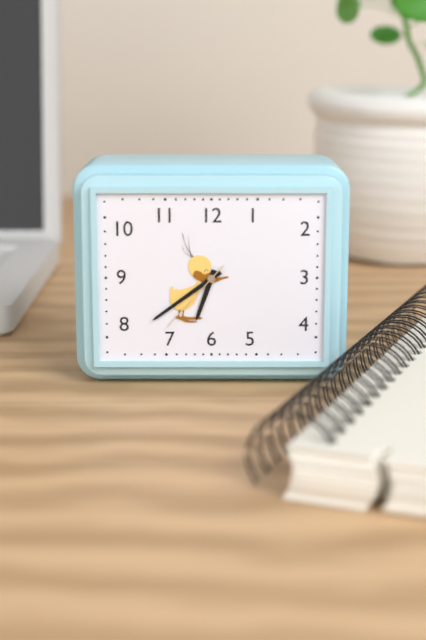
6 h 39 min 37 s
